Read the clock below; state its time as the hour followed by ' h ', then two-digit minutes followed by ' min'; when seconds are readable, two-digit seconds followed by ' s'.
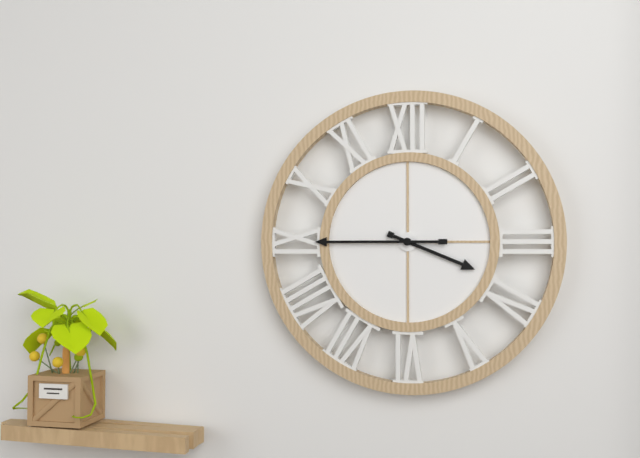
3 h 45 min
